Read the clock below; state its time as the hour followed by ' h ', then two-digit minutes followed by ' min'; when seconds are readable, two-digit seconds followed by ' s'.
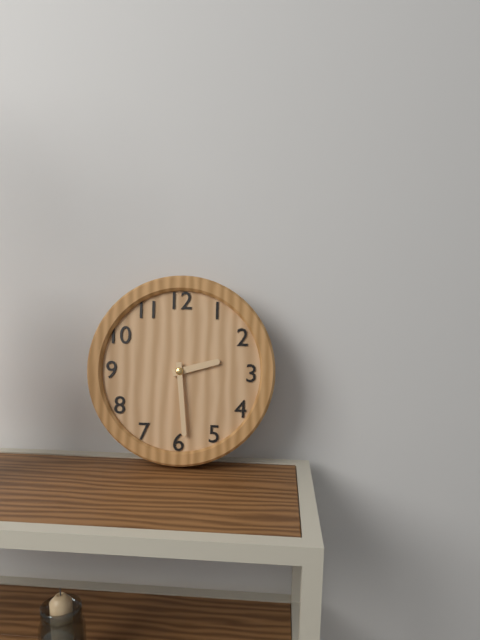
2 h 29 min
